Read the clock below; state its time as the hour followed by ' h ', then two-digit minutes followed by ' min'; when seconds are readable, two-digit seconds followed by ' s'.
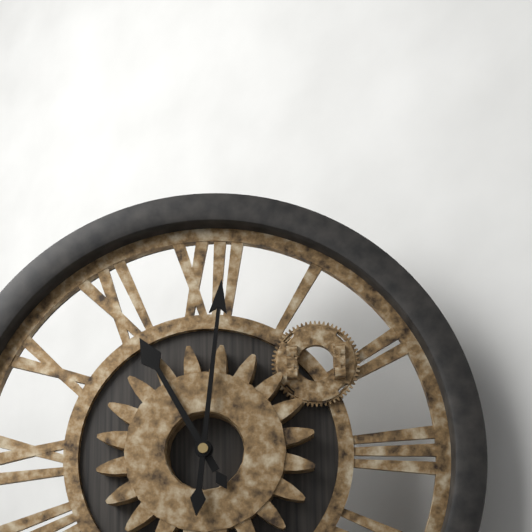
11 h 01 min
